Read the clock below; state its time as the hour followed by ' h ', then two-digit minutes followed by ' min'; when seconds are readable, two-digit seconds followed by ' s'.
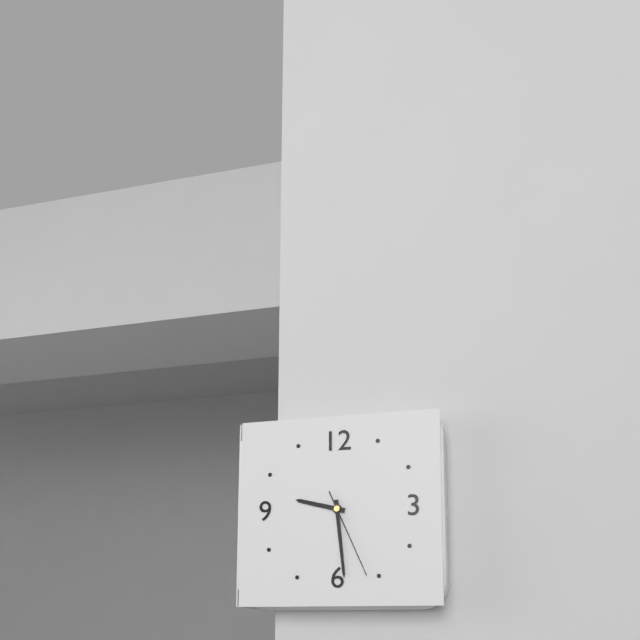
9 h 29 min 26 s
